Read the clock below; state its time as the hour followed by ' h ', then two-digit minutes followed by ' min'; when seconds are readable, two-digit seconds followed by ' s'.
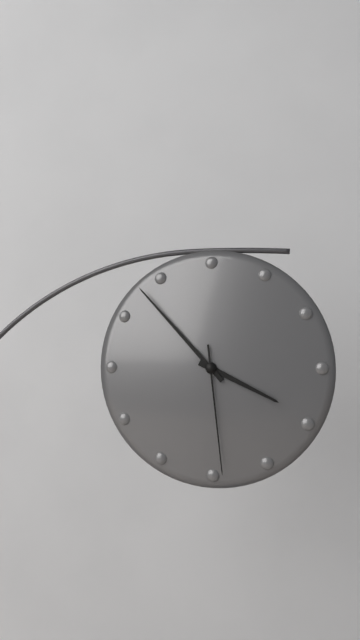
3 h 53 min 29 s
